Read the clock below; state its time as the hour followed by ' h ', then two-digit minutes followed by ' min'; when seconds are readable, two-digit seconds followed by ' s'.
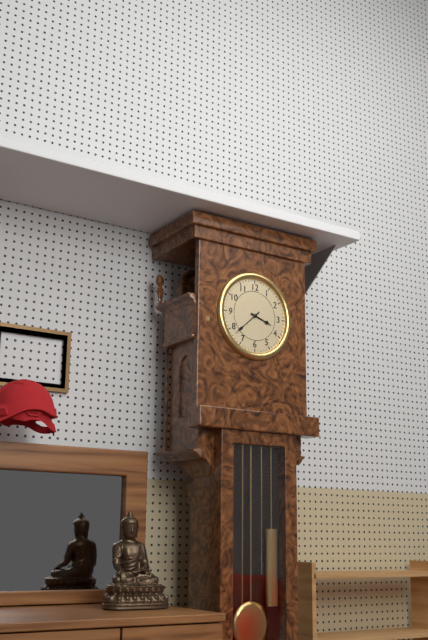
3 h 38 min
